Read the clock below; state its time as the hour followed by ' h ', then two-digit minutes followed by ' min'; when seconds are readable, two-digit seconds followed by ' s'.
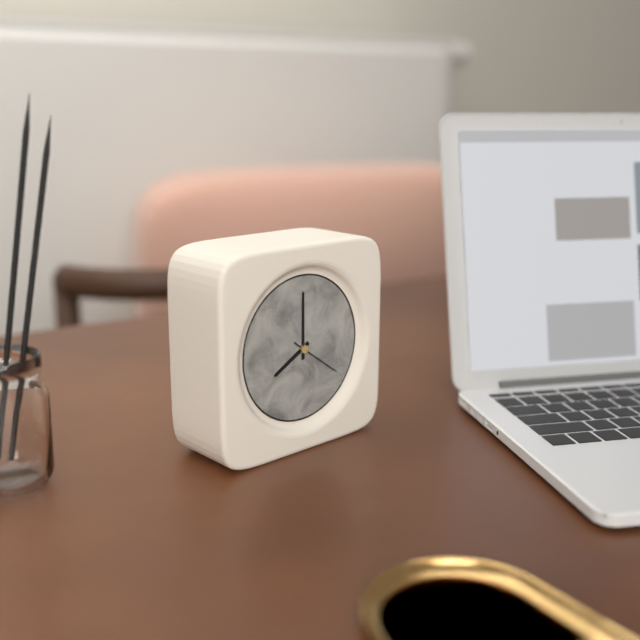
8 h 00 min 21 s
